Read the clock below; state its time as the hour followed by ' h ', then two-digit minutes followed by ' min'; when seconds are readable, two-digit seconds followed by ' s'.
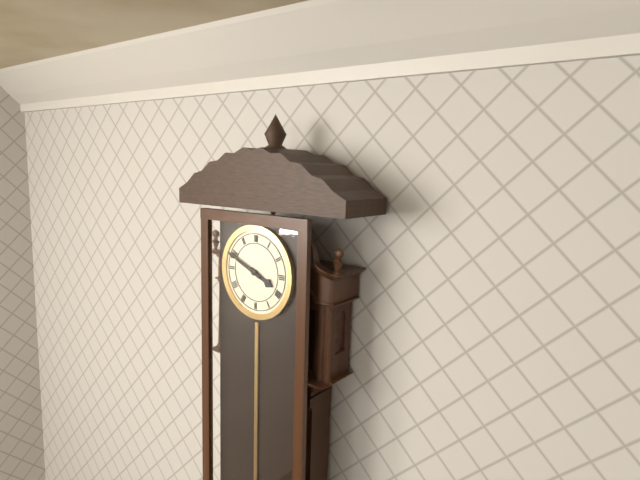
3 h 49 min
